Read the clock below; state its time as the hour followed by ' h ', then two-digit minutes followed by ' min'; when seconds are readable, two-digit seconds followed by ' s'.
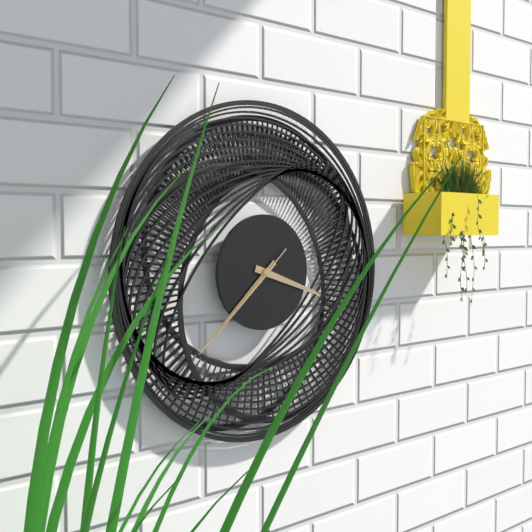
3 h 38 min 38 s
